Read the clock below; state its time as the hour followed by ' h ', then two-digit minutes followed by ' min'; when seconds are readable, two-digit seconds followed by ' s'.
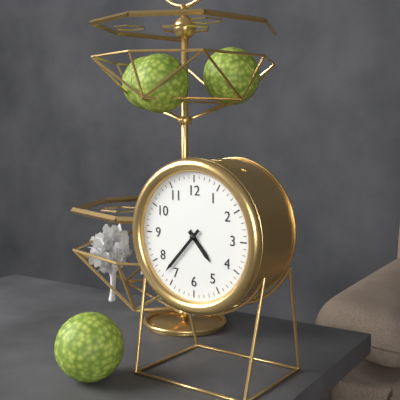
4 h 37 min
